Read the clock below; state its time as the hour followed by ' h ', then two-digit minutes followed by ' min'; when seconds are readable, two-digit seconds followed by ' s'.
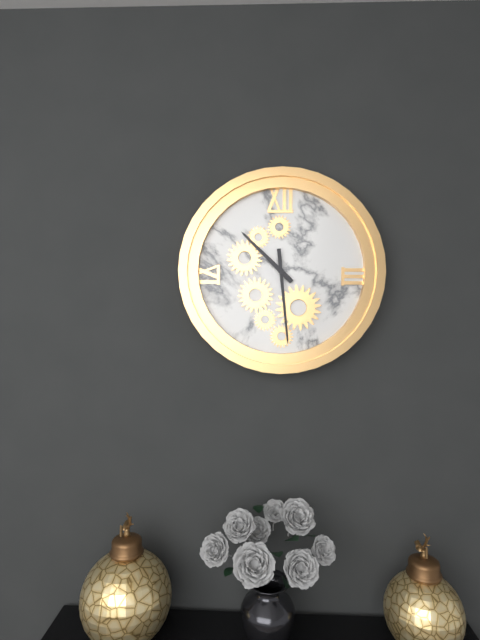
10 h 29 min
